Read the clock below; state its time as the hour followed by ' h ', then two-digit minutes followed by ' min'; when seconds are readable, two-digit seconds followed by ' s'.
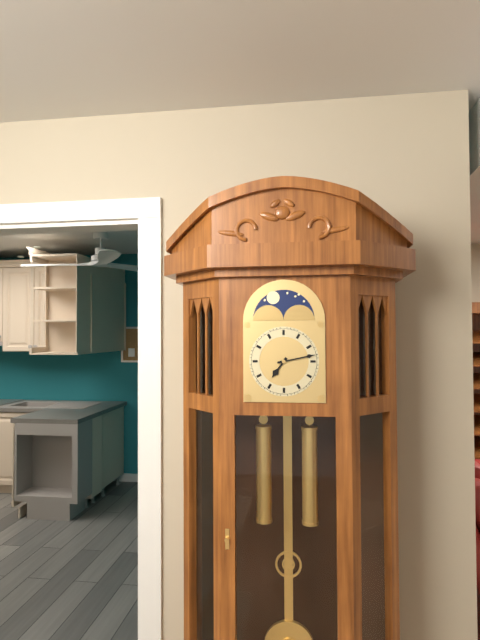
7 h 13 min
